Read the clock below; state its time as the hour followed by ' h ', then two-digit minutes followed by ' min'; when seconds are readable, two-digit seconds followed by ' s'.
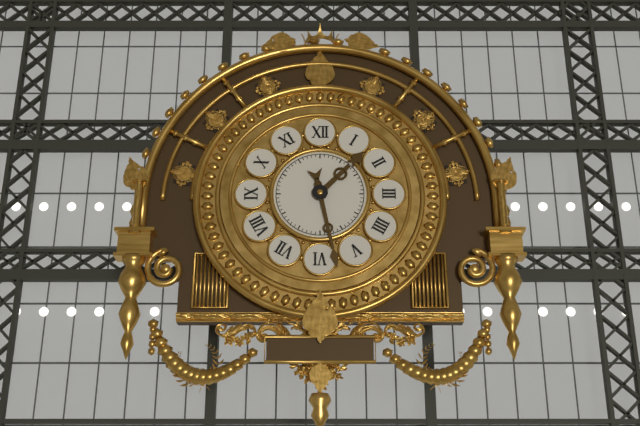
1 h 28 min
